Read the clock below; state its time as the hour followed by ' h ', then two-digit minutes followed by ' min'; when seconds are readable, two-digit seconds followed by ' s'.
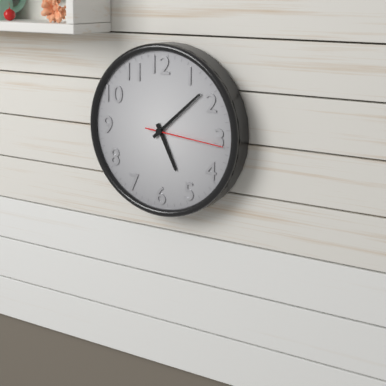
5 h 08 min 16 s
